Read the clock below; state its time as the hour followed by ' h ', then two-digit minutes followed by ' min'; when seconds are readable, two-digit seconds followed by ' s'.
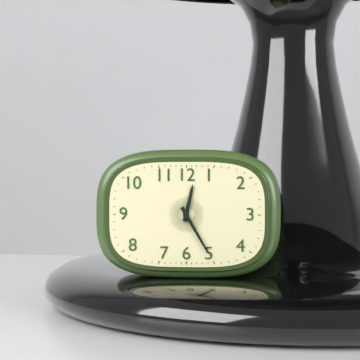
12 h 25 min
